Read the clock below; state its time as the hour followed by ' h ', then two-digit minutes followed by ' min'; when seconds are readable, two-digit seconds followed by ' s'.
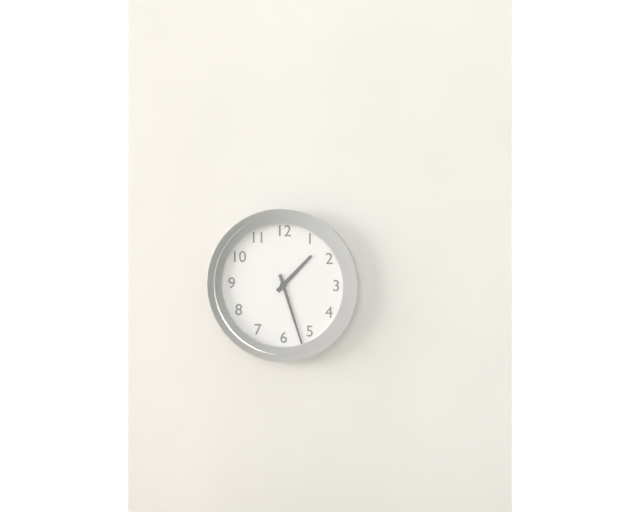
1 h 27 min
